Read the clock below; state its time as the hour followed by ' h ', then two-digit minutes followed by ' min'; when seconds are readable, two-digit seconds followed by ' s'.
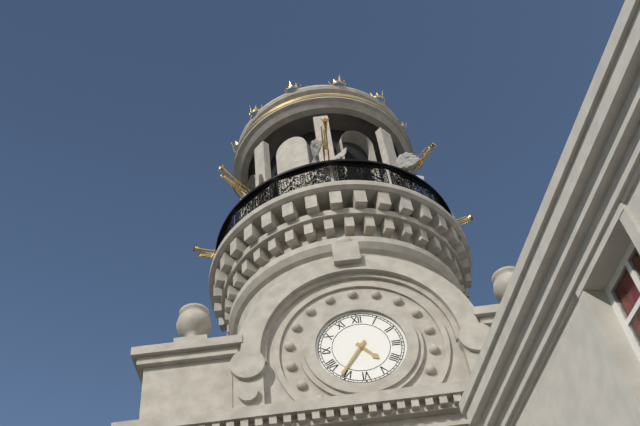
4 h 36 min
